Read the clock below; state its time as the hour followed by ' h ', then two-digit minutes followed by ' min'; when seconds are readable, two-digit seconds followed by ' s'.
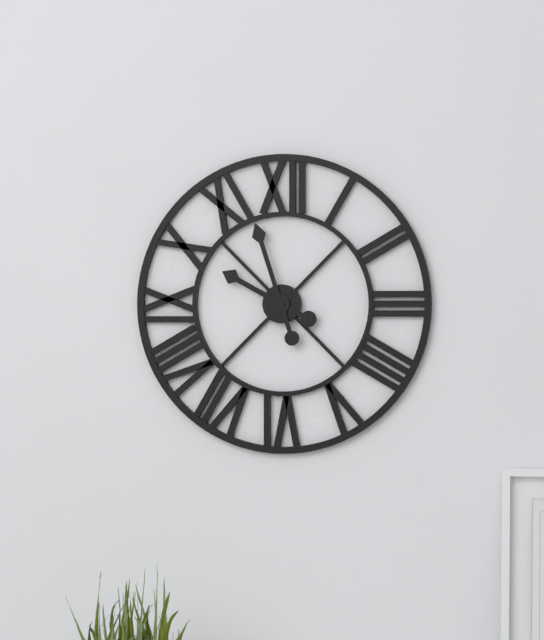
9 h 57 min
